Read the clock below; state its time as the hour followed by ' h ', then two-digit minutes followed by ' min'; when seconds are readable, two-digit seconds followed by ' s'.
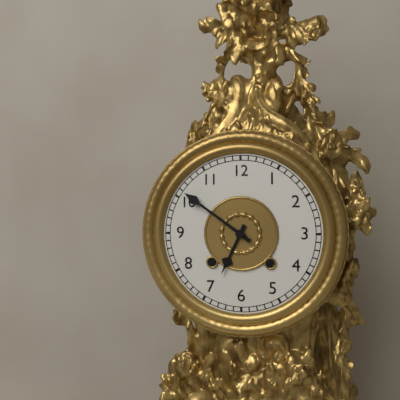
6 h 51 min
